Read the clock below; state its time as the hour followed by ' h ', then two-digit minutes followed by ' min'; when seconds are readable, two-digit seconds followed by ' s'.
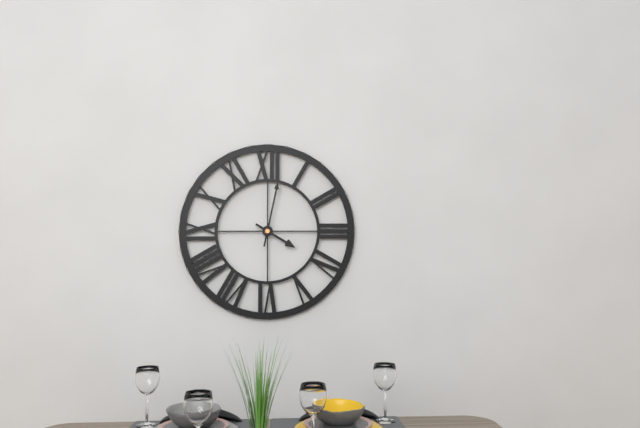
4 h 02 min
